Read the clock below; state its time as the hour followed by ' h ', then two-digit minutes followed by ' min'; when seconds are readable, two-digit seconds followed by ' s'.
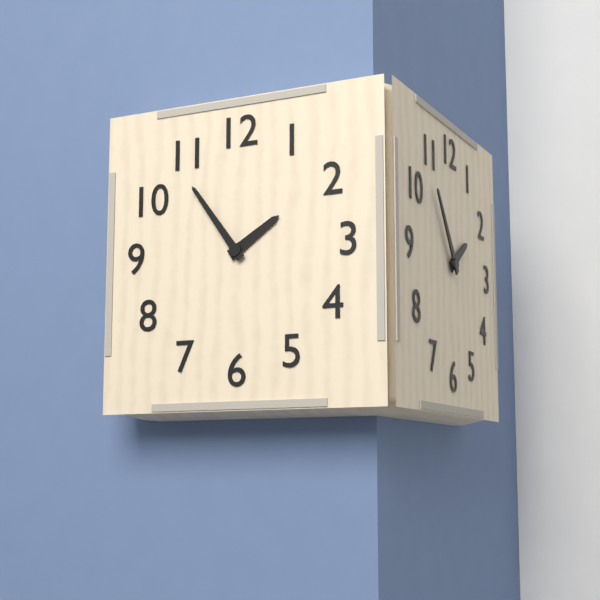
1 h 54 min
